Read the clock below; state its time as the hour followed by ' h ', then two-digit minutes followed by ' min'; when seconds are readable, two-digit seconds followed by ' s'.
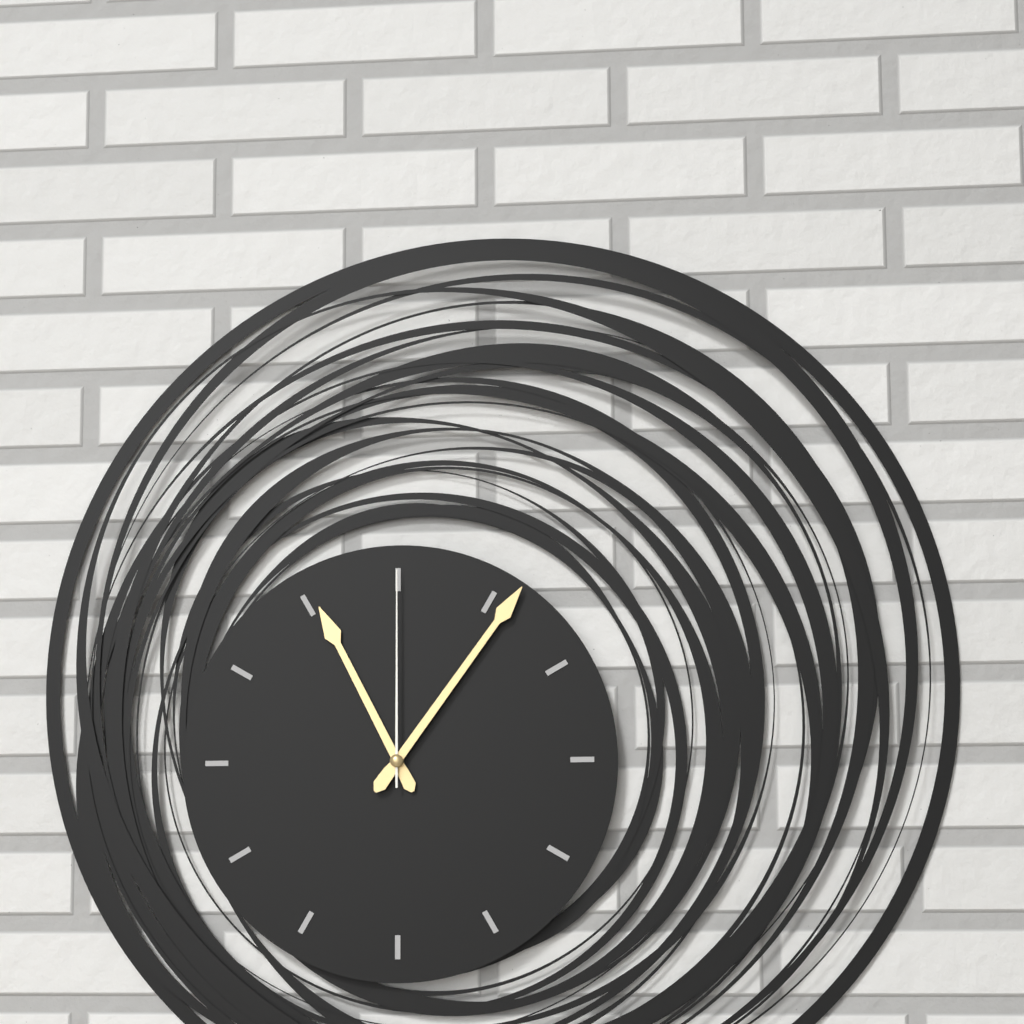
11 h 06 min 00 s
